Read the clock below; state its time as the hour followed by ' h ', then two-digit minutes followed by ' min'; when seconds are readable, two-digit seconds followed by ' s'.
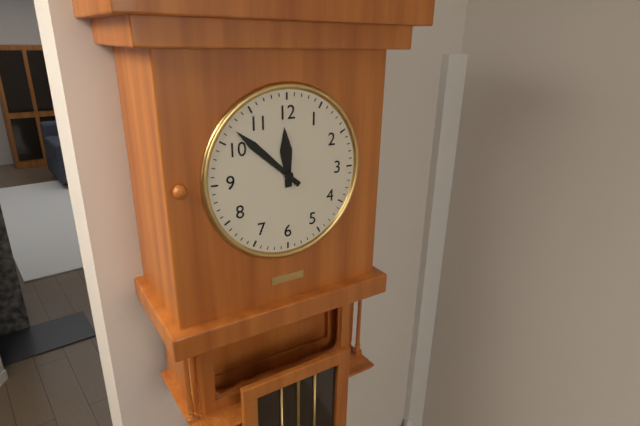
11 h 52 min
